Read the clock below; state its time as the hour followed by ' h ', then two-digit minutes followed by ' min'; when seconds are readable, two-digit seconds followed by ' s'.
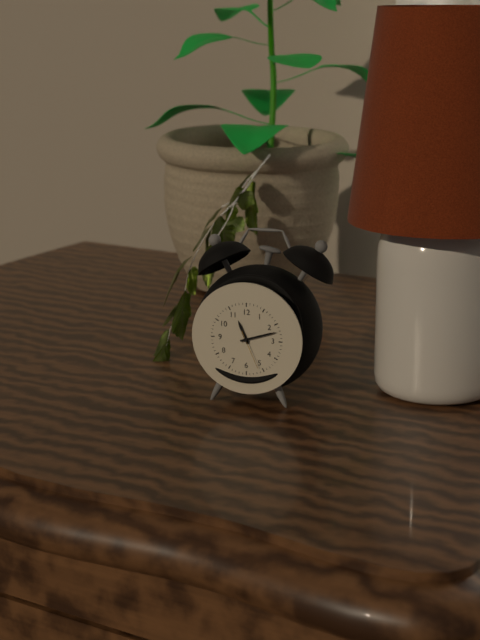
11 h 12 min
